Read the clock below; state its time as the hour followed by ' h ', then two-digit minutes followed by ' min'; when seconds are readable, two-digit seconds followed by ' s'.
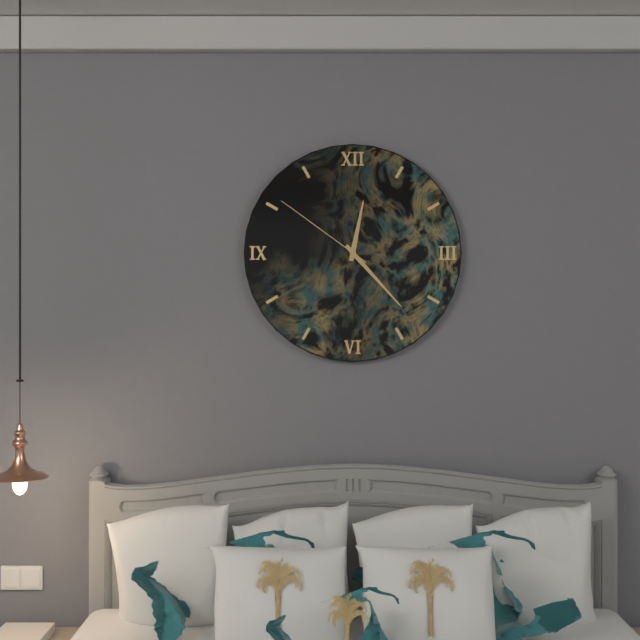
12 h 23 min 51 s
